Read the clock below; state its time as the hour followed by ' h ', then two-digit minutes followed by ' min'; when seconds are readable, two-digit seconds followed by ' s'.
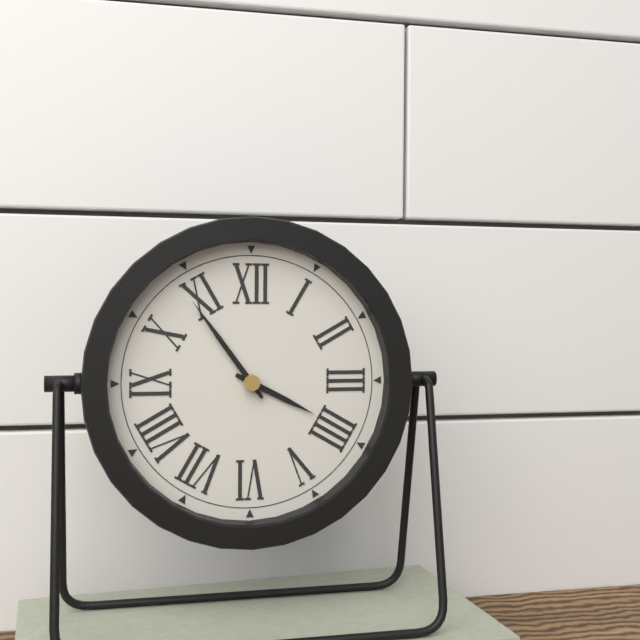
3 h 54 min
